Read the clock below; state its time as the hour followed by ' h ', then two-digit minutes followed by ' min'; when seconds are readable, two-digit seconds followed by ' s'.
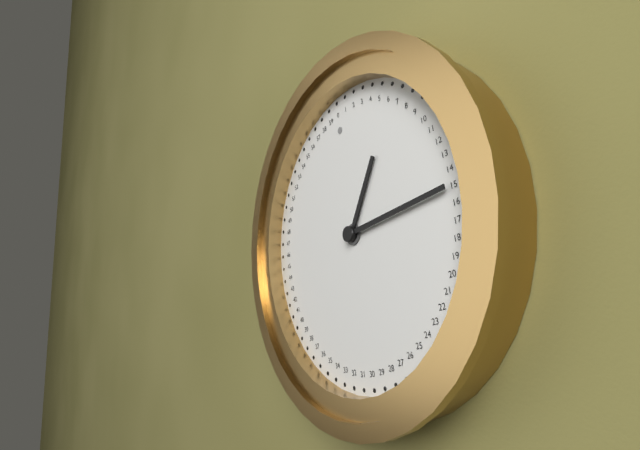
1 h 15 min
